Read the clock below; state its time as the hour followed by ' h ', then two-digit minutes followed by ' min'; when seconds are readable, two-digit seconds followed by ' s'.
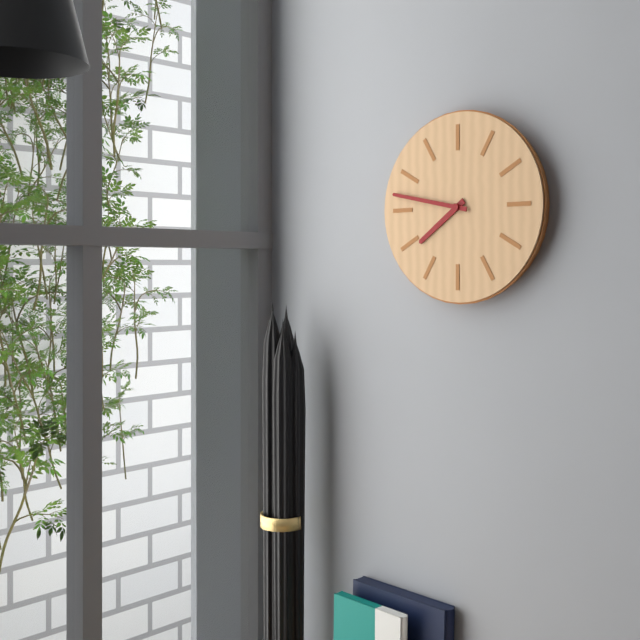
7 h 47 min
